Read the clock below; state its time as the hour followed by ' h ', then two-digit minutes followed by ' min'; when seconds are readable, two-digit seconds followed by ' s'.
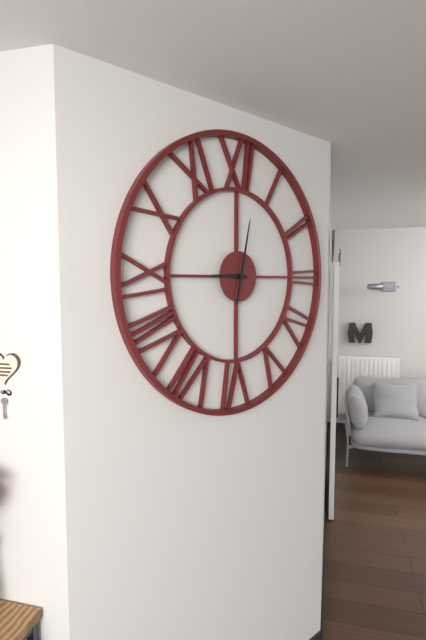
9 h 02 min
